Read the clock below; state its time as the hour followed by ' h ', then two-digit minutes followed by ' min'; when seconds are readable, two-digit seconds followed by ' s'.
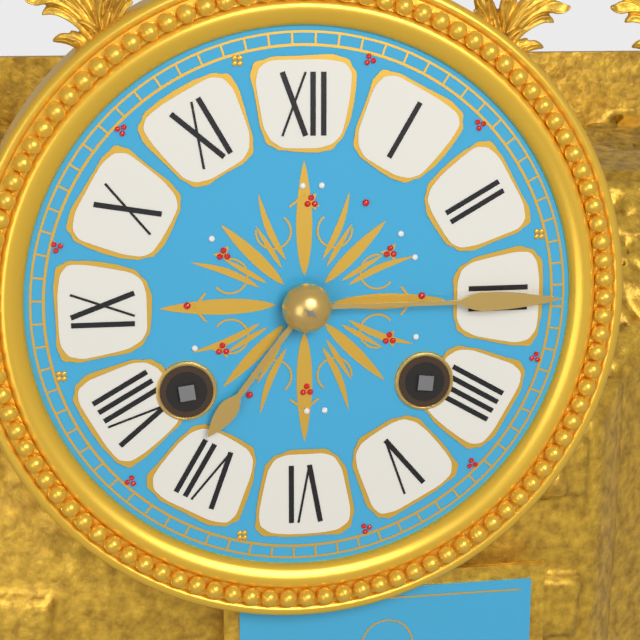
7 h 15 min
